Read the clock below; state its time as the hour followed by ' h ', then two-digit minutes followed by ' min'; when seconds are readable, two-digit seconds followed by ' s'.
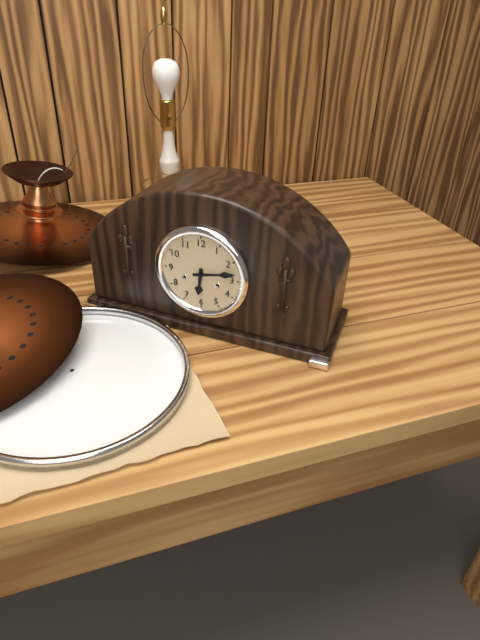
6 h 13 min
